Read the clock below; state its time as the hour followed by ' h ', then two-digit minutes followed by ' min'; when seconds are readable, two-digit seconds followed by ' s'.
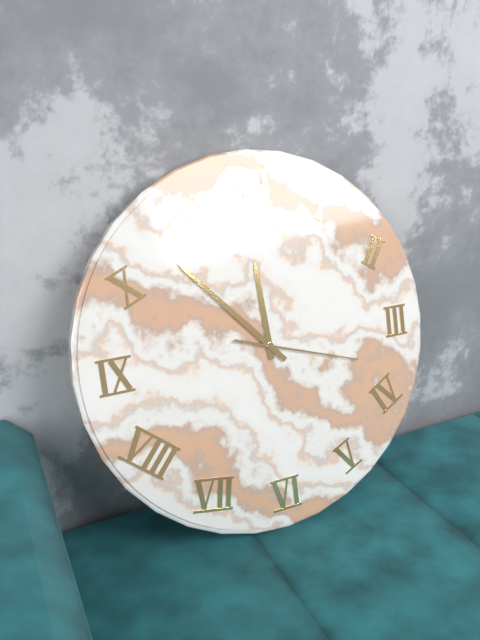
11 h 53 min 18 s
